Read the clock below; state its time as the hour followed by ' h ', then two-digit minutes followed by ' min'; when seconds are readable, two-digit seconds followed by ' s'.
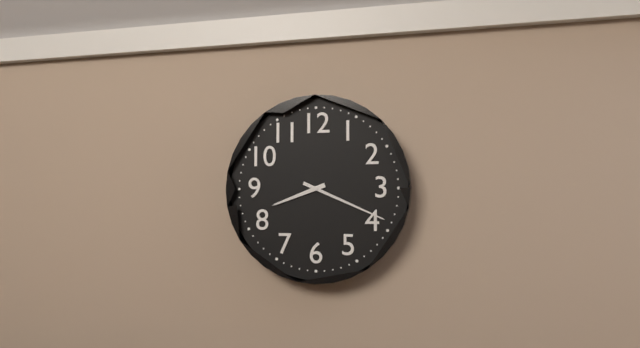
8 h 19 min
